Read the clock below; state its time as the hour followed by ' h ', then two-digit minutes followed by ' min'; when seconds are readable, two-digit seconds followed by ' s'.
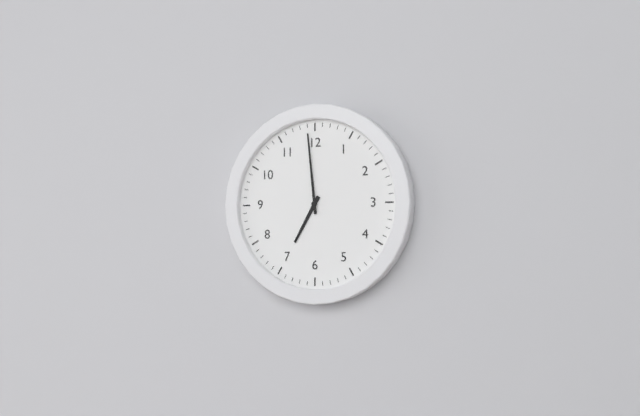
6 h 59 min
